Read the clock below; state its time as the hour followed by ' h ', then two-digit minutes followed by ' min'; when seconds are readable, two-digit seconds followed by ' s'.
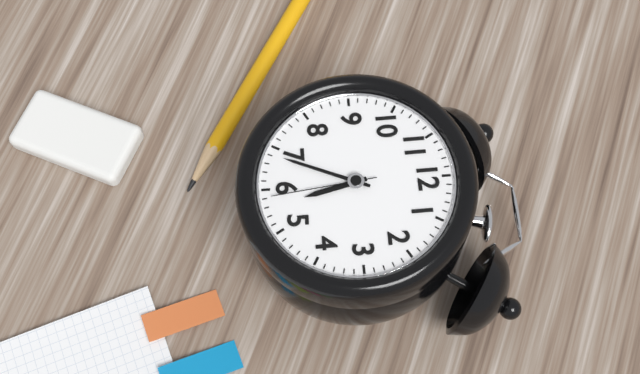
5 h 34 min 29 s
